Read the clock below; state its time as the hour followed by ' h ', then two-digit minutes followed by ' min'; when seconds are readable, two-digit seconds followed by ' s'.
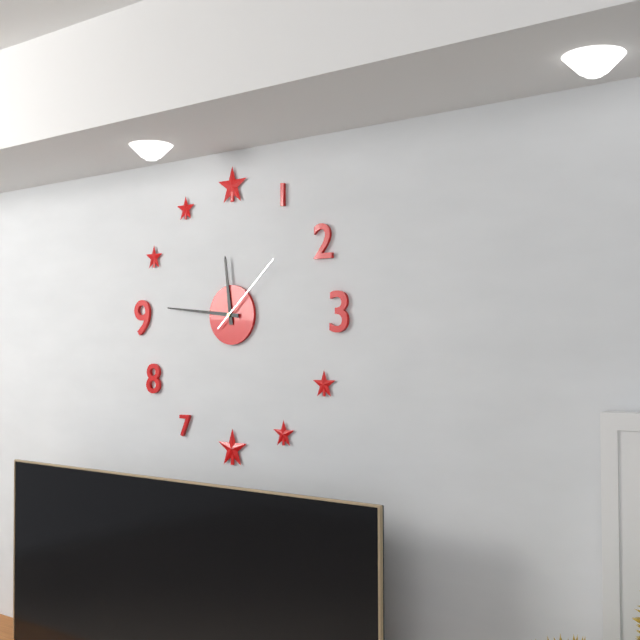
11 h 46 min 08 s
